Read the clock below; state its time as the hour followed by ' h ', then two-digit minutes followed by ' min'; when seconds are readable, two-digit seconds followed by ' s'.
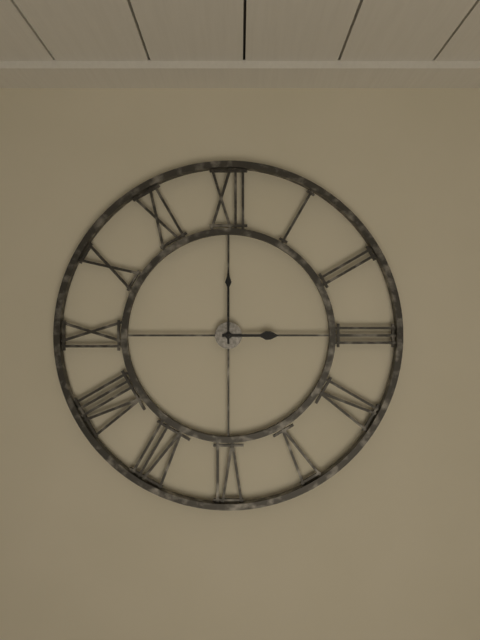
3 h 00 min
